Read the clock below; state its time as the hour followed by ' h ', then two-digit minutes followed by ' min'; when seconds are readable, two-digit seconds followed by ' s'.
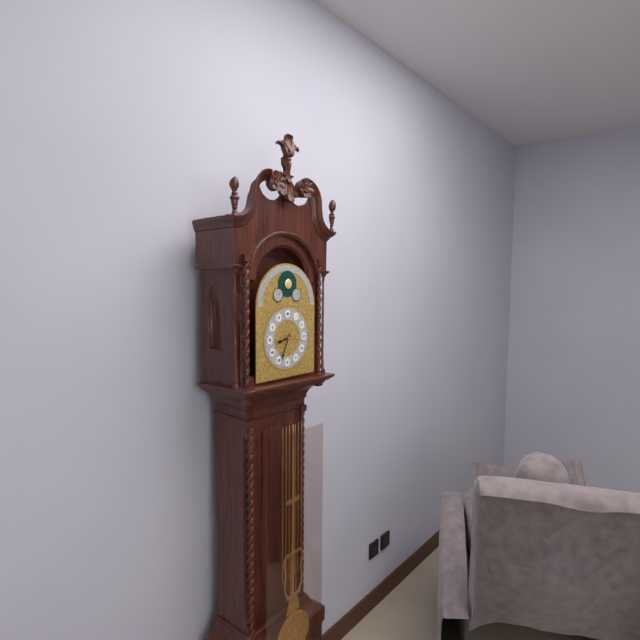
8 h 34 min
